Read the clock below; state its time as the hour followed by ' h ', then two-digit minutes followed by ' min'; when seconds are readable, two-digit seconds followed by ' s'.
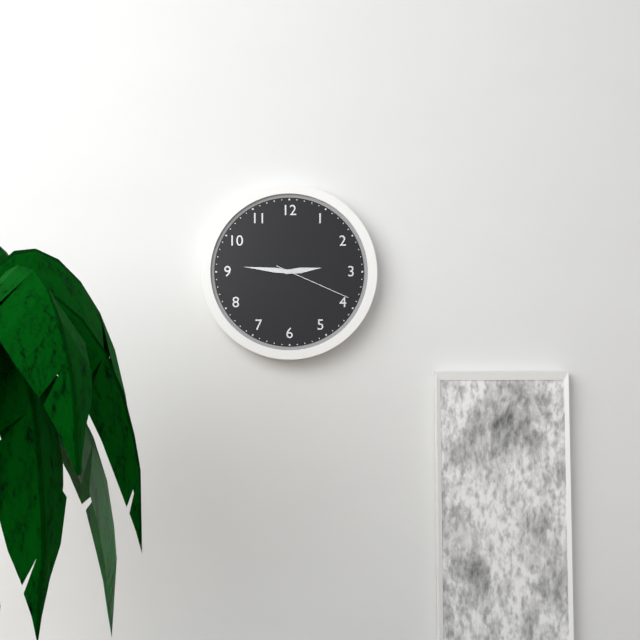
2 h 46 min 19 s
